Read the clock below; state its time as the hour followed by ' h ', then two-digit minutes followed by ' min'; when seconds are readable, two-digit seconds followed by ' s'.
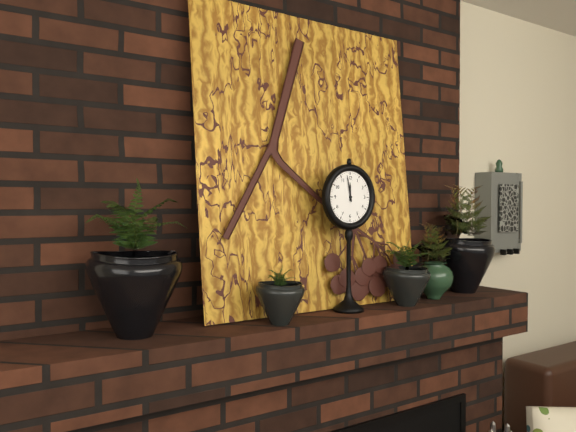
11 h 58 min
